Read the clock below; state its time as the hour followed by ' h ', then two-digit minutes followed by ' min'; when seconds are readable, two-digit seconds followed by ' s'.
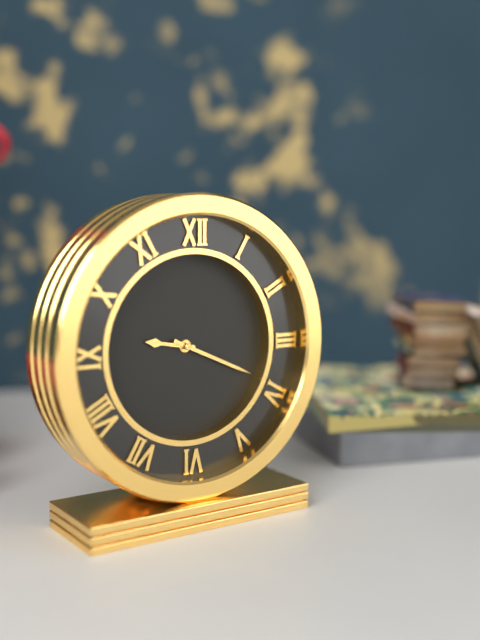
9 h 19 min
